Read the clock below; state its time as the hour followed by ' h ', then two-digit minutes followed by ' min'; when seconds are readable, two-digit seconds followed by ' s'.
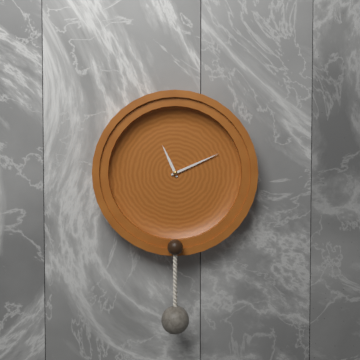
11 h 11 min
